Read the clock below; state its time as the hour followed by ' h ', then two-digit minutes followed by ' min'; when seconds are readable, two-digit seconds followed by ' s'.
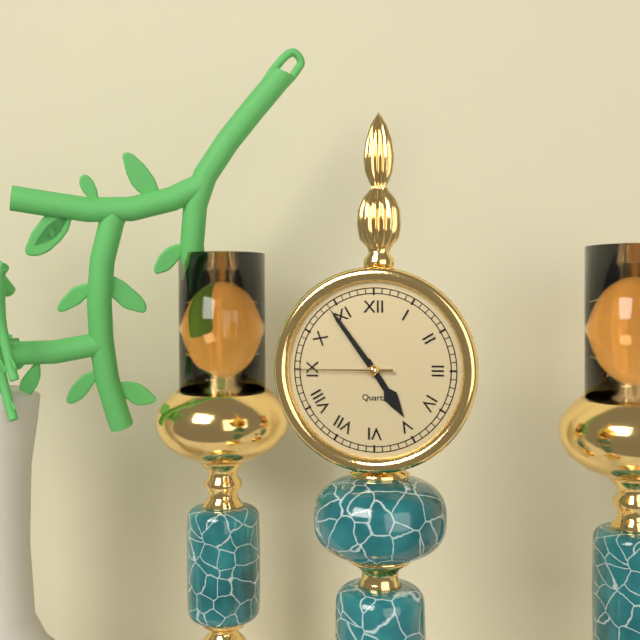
4 h 54 min 45 s
